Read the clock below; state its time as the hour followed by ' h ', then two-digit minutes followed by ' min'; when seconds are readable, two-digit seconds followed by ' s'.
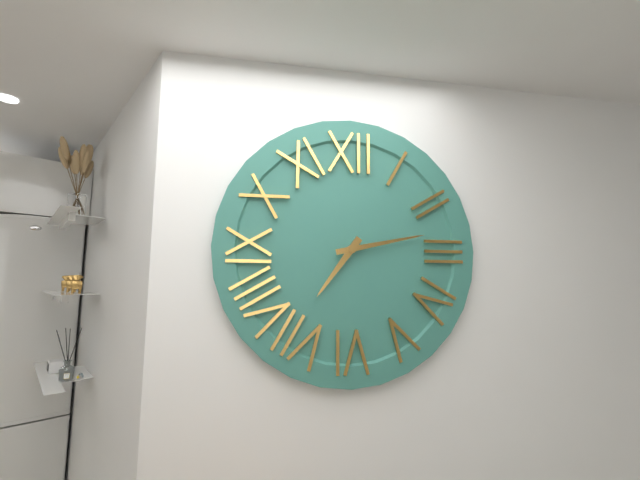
7 h 13 min
